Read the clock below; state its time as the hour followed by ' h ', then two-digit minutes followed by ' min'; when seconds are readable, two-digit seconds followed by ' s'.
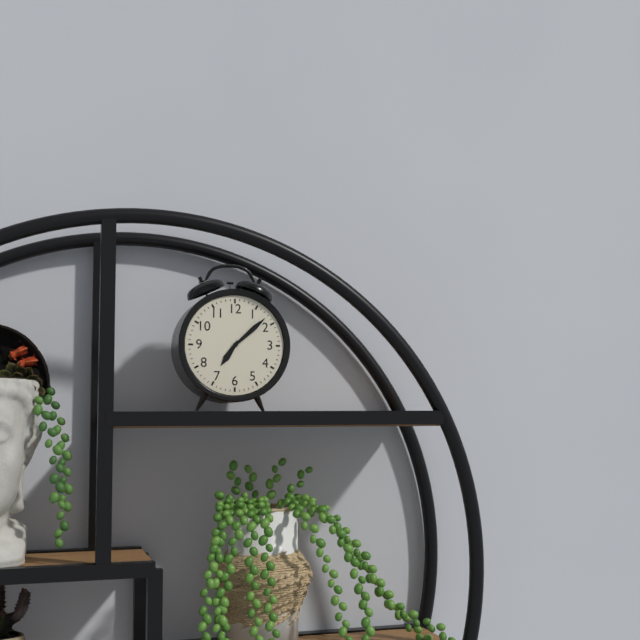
7 h 08 min
